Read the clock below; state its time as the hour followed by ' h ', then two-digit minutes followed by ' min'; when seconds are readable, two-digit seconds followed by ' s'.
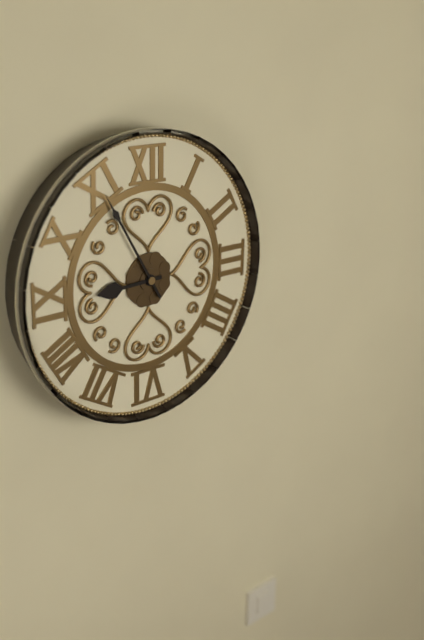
8 h 55 min
